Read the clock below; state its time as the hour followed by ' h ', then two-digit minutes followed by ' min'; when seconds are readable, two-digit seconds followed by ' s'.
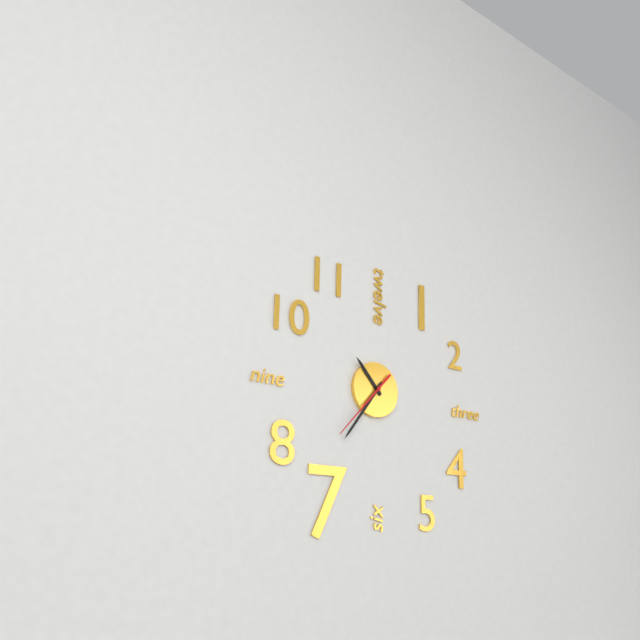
10 h 36 min 37 s
